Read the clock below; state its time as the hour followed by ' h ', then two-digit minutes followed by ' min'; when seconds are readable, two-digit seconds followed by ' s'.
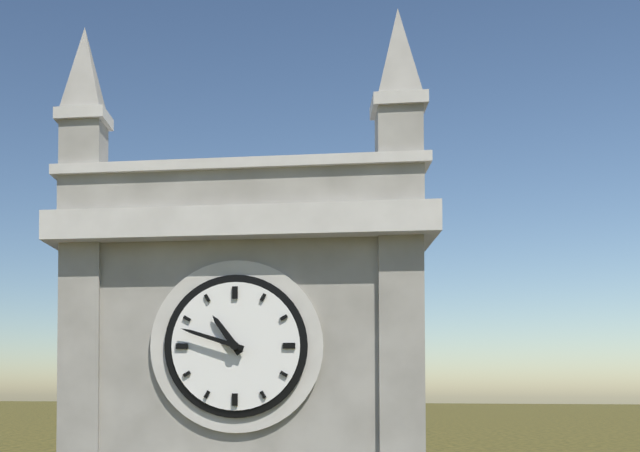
10 h 48 min
